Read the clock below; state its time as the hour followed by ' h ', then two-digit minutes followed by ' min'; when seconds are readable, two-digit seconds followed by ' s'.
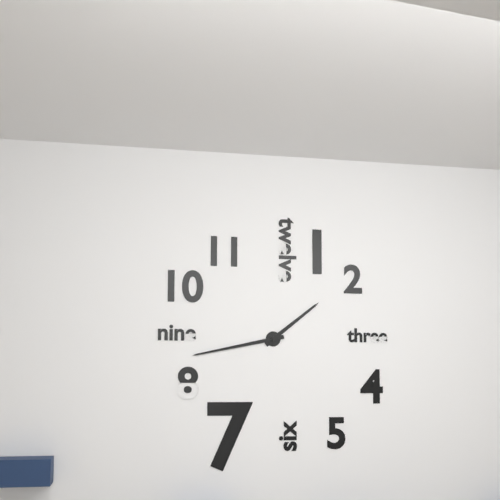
1 h 43 min
